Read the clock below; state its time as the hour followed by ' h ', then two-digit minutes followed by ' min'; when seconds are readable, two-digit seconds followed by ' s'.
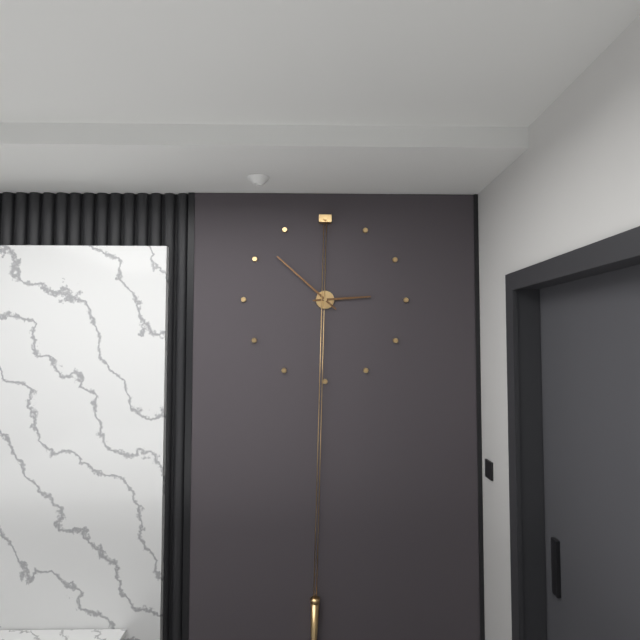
2 h 52 min
